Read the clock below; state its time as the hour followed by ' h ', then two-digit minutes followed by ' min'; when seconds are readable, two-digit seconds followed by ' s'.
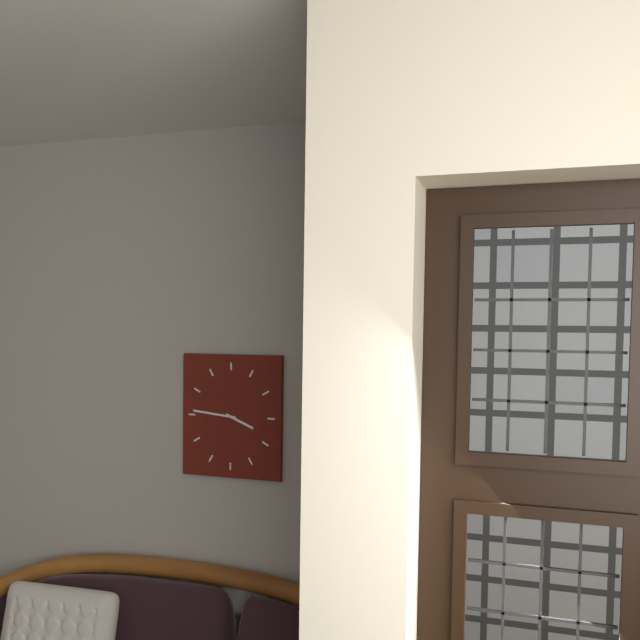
3 h 46 min
